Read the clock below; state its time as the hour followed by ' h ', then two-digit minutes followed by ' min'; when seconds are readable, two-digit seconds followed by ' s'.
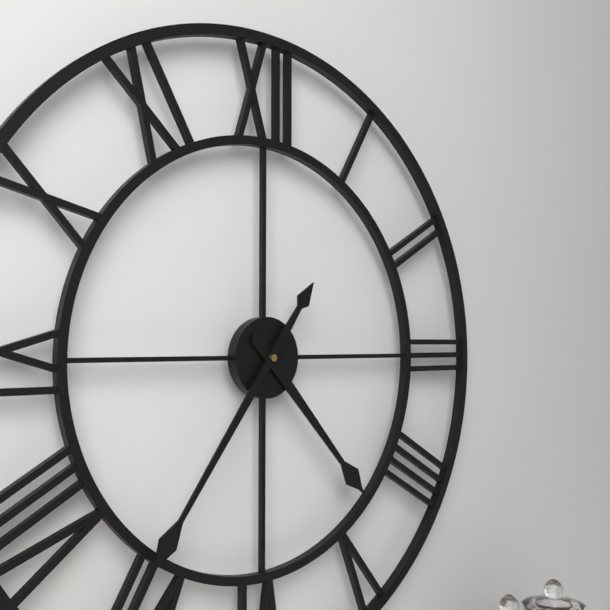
4 h 36 min
